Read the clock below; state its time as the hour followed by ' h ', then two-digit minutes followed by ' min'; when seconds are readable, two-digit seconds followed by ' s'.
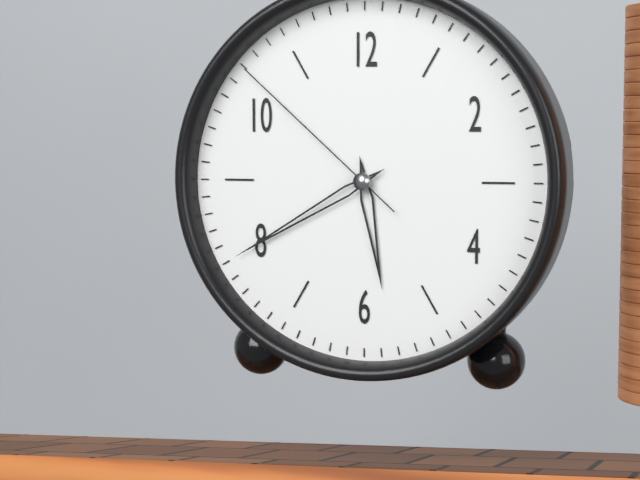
5 h 40 min 52 s
